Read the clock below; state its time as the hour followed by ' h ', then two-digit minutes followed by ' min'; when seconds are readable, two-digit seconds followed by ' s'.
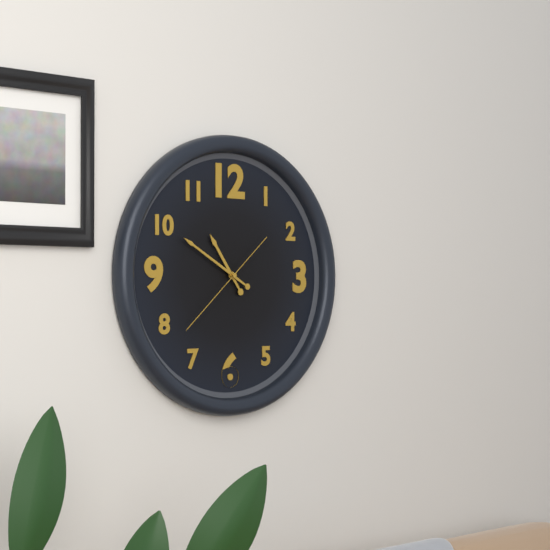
10 h 50 min 38 s
